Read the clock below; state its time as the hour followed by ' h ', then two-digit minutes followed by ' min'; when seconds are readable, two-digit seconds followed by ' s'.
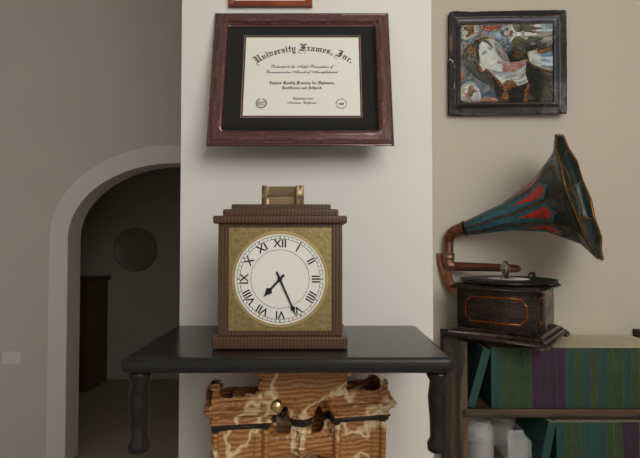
7 h 26 min
